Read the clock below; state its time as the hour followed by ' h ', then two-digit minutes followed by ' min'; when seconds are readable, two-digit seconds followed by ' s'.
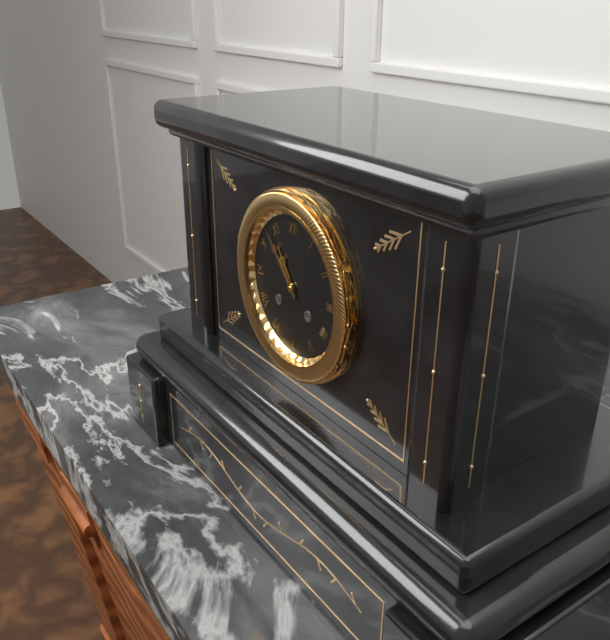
10 h 53 min
